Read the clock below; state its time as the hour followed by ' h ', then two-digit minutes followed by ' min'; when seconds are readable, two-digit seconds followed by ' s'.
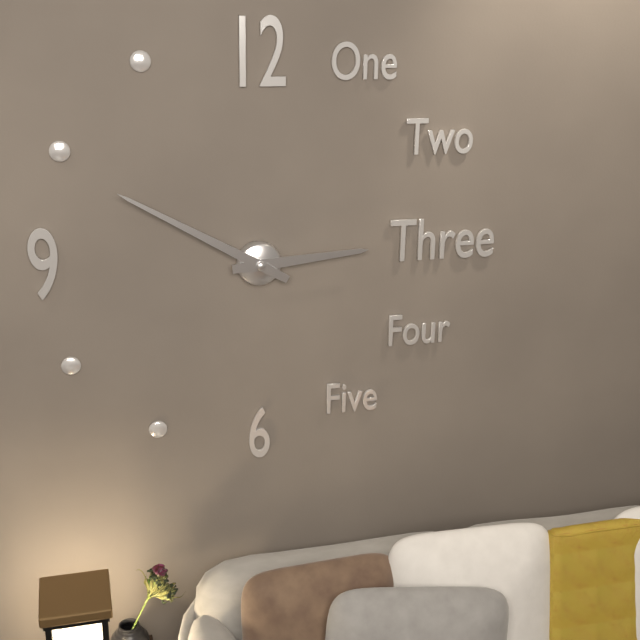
2 h 50 min
